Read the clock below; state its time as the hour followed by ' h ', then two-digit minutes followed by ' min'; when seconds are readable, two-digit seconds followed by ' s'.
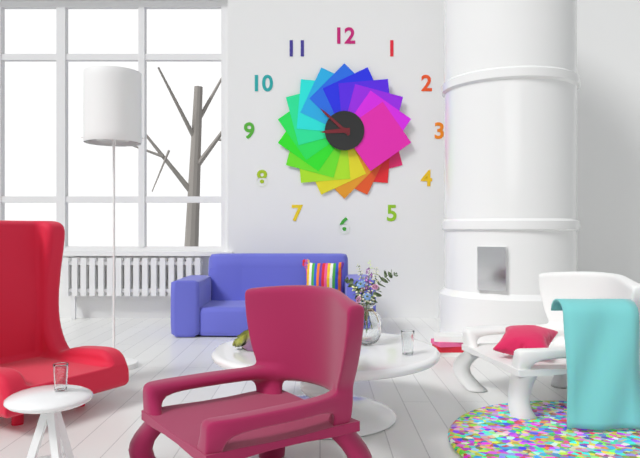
8 h 52 min
